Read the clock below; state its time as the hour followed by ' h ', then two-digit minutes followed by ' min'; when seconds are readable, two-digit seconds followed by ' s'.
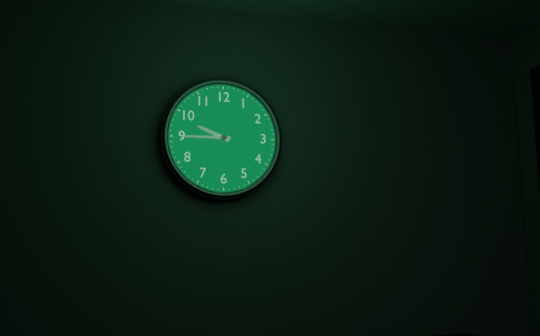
9 h 45 min
